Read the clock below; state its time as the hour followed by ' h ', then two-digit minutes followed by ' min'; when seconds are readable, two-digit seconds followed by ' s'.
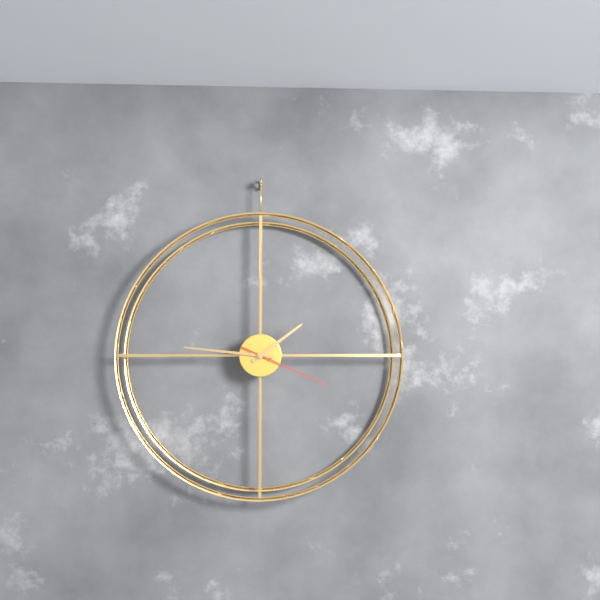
1 h 46 min 19 s
